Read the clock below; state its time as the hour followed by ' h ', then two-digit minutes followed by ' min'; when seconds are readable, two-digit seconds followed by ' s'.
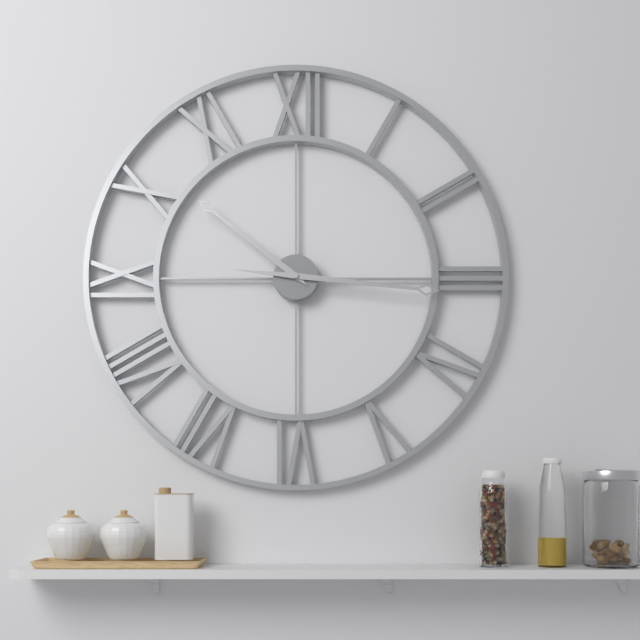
10 h 16 min
